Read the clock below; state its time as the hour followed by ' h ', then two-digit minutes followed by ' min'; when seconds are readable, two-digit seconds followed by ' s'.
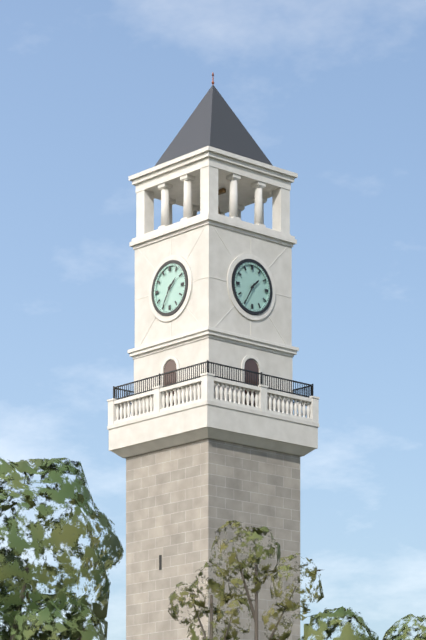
1 h 35 min
